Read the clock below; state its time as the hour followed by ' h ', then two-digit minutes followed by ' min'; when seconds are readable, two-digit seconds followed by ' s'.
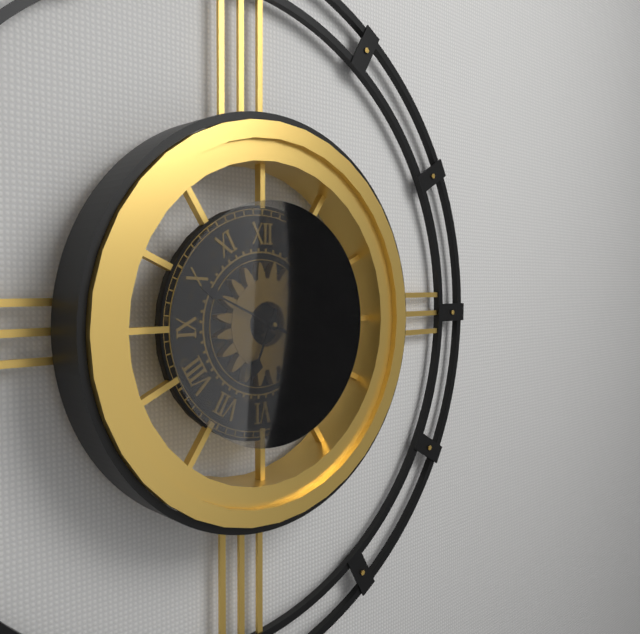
6 h 49 min
